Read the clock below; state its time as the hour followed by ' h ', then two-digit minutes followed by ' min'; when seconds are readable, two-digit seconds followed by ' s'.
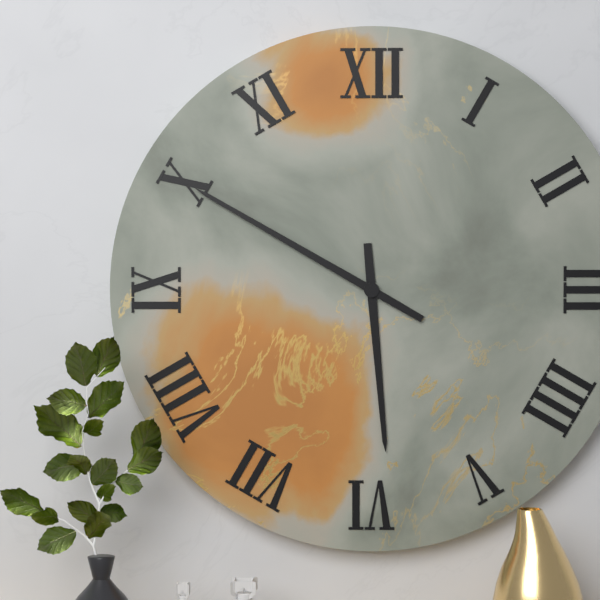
5 h 50 min
